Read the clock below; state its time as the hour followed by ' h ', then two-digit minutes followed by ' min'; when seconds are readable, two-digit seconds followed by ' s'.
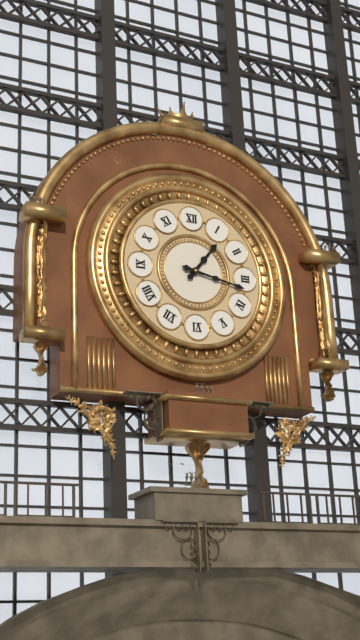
1 h 17 min
